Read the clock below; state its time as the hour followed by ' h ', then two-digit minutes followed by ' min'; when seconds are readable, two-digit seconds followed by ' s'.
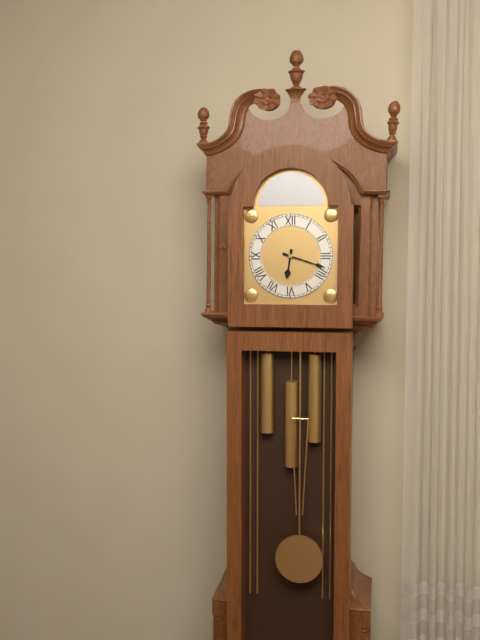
6 h 18 min
